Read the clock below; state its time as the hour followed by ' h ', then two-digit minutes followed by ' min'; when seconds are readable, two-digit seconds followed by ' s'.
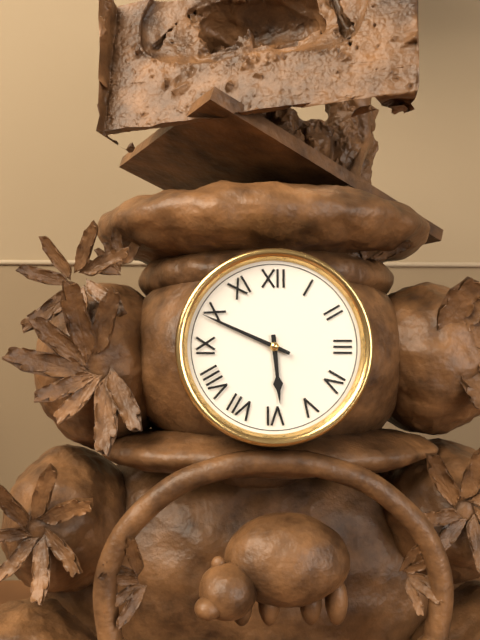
5 h 49 min
